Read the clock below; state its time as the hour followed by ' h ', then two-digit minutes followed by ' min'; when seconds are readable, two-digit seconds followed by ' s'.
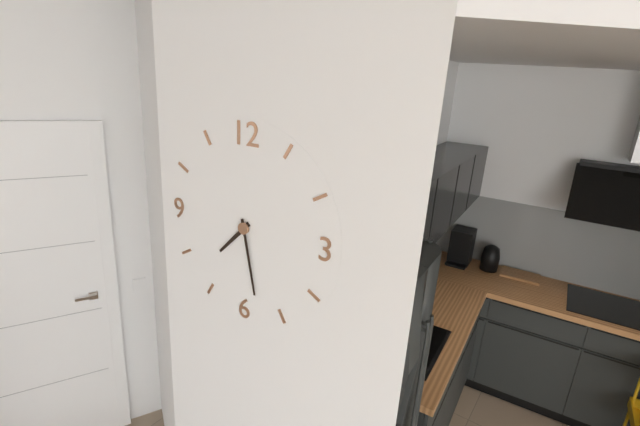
7 h 28 min
